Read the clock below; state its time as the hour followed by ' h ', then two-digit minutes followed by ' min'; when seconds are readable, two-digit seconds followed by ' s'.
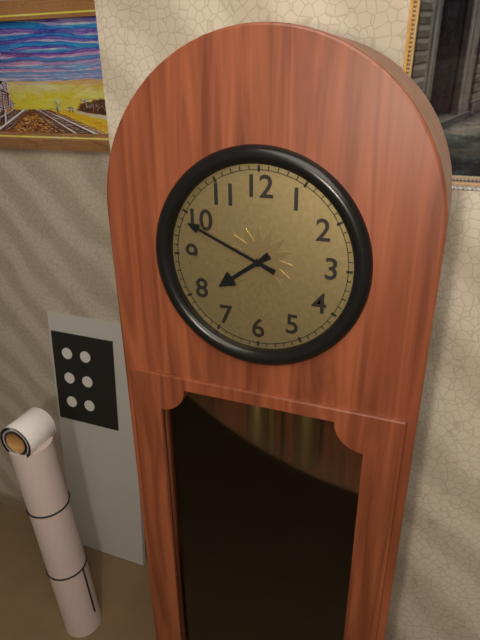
7 h 49 min
